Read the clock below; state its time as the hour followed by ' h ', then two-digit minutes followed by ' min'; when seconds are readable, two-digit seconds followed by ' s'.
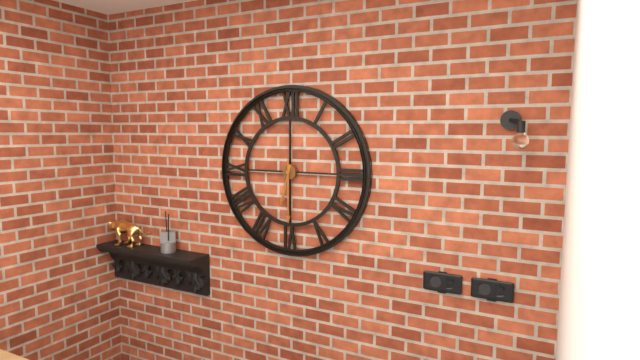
6 h 30 min
